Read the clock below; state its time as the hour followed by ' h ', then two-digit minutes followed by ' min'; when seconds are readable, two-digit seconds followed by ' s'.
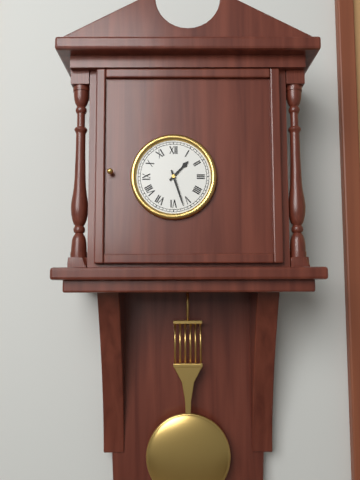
1 h 27 min
